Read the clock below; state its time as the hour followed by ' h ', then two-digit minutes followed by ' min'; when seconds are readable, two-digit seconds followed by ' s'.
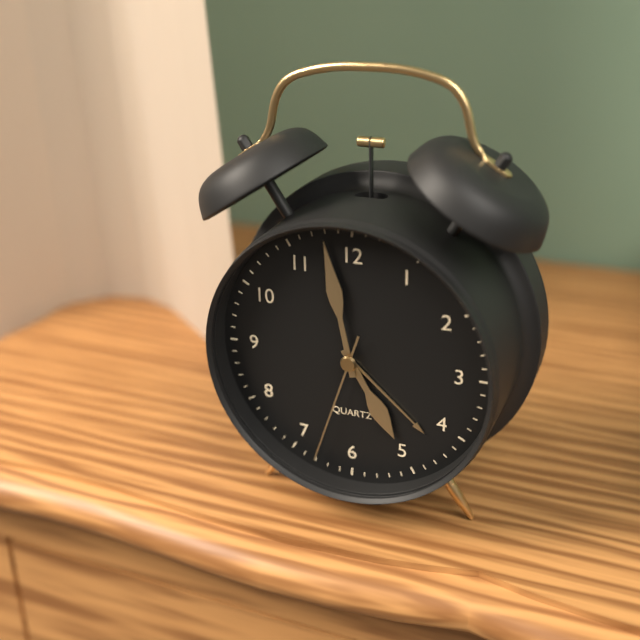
4 h 58 min 33 s
